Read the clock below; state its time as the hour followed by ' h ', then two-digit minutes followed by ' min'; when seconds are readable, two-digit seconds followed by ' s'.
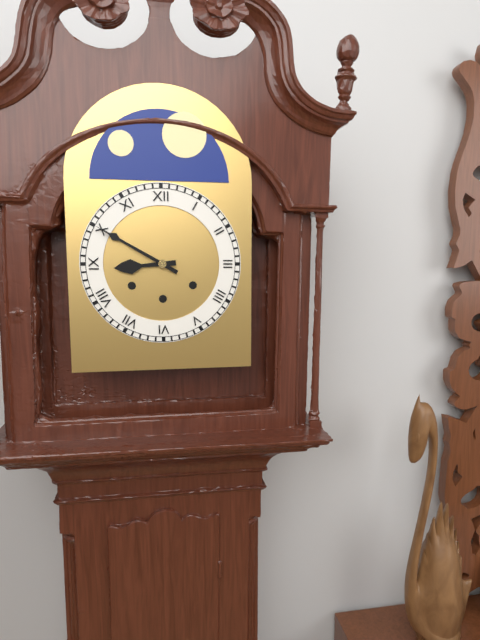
8 h 50 min
